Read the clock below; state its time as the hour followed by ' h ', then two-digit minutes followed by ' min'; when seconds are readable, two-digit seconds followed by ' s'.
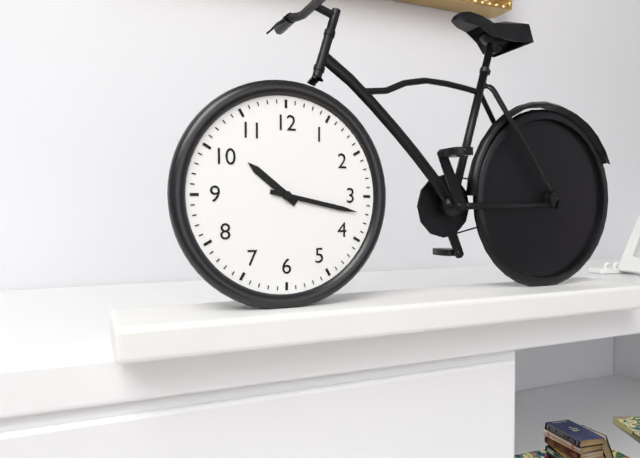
10 h 17 min
